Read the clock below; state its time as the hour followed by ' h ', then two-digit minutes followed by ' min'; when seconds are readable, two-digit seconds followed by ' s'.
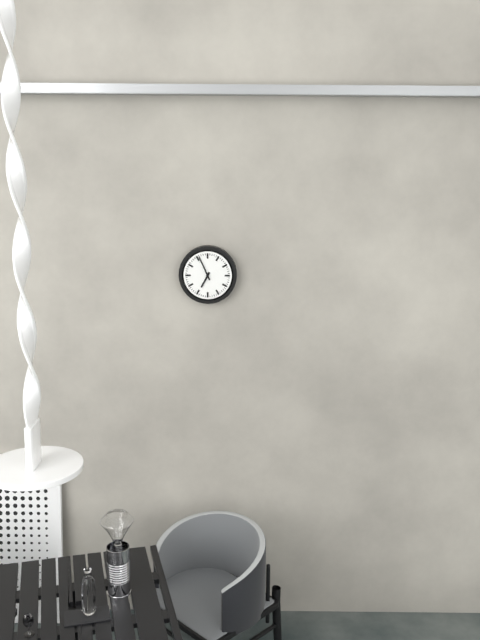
6 h 56 min
